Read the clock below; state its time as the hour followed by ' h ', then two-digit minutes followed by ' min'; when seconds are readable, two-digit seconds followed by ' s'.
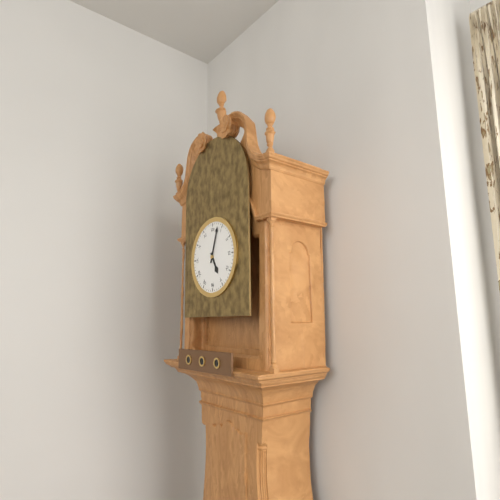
5 h 03 min
